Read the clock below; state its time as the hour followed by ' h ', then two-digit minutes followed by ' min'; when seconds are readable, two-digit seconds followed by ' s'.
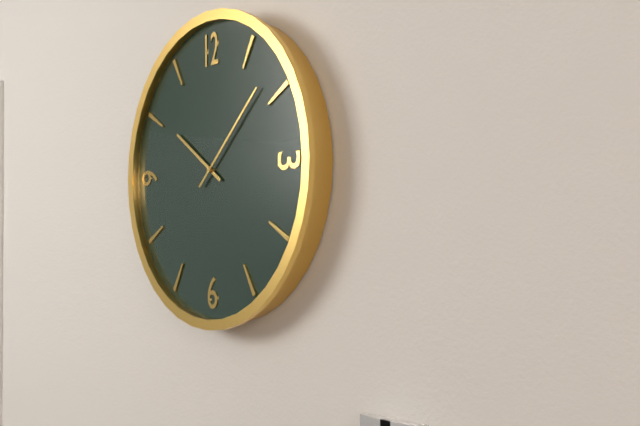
10 h 08 min
